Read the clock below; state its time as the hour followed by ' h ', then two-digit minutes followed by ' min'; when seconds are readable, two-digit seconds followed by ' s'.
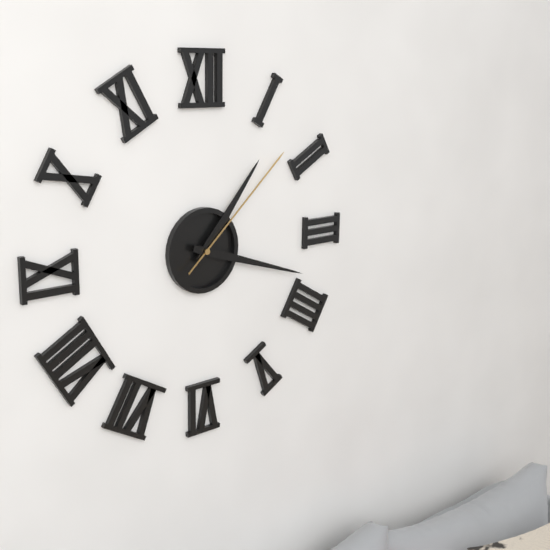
1 h 18 min 08 s
